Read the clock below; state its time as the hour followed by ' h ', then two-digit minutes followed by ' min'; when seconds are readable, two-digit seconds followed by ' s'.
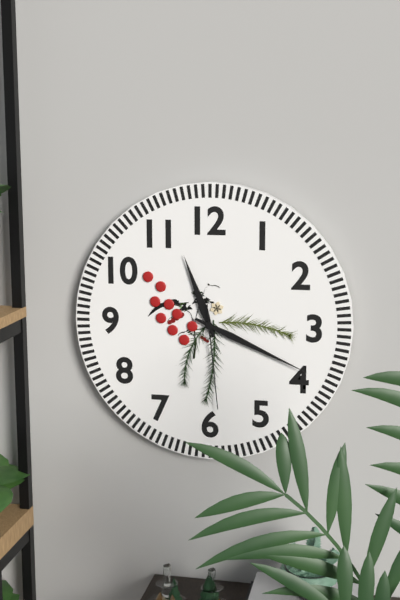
11 h 19 min 29 s
